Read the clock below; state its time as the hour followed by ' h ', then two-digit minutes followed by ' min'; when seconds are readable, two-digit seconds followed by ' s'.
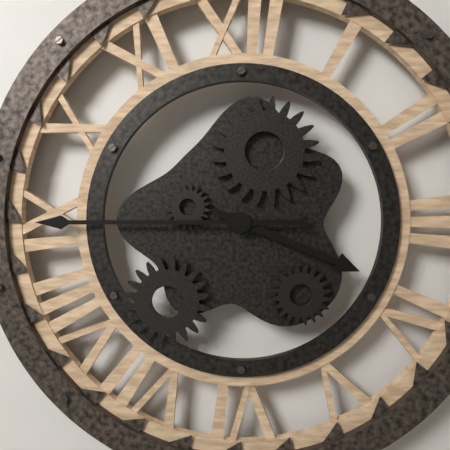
3 h 45 min
